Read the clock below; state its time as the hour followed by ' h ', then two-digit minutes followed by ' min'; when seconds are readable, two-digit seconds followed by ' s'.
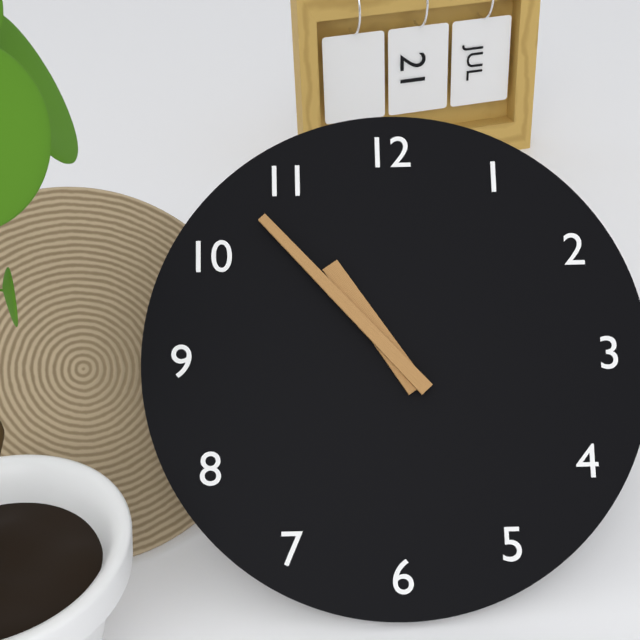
10 h 53 min
